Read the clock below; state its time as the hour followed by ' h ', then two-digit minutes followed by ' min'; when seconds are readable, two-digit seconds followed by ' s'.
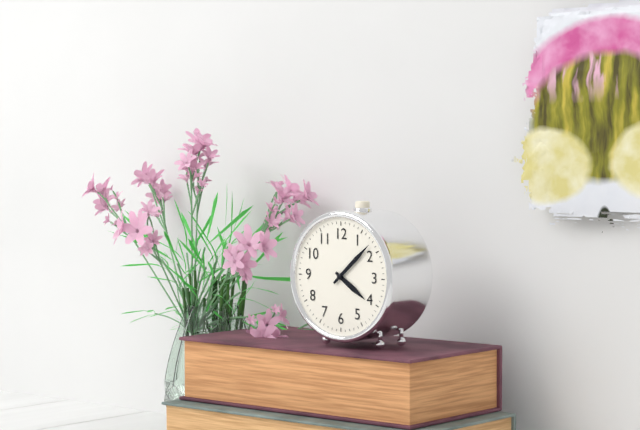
4 h 08 min
